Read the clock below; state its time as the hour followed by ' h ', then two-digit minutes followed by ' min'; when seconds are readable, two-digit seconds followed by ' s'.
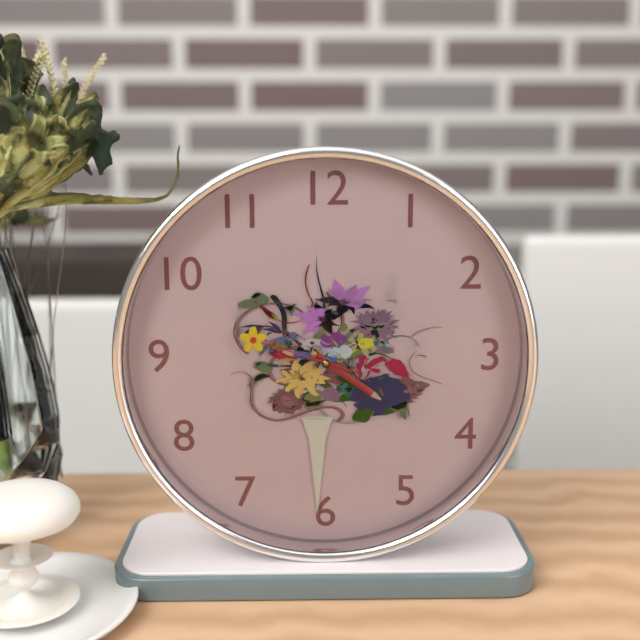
9 h 21 min 48 s
